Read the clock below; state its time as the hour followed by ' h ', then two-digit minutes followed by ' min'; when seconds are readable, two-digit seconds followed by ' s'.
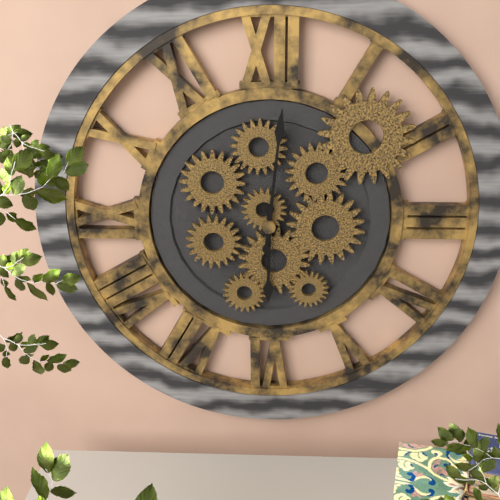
6 h 01 min
